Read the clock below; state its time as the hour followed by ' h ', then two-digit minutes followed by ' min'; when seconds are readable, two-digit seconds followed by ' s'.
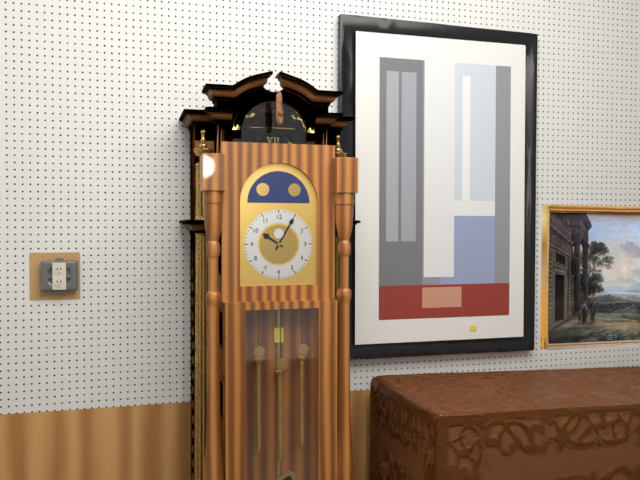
10 h 05 min
